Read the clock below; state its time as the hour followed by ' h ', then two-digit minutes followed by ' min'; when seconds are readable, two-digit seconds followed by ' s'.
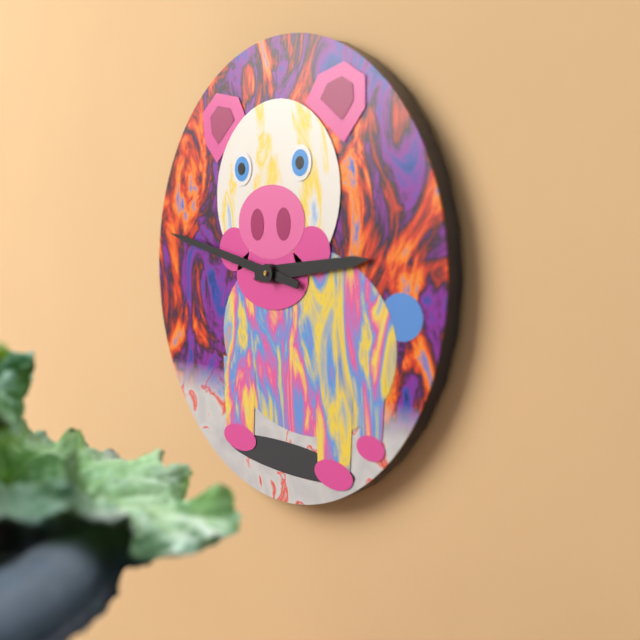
2 h 47 min
